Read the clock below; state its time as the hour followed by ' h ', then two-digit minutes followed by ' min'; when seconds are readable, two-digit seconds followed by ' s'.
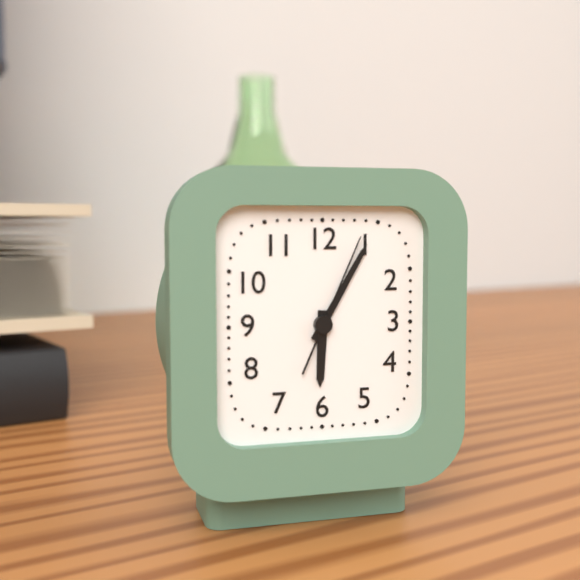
6 h 05 min 04 s
